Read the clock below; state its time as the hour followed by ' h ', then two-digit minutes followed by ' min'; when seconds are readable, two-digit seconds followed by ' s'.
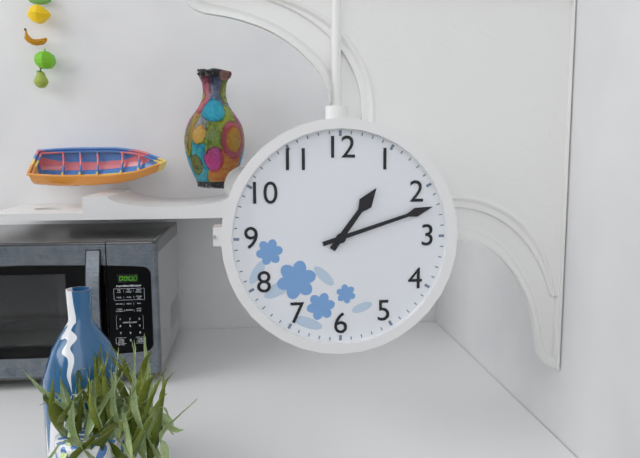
1 h 12 min
